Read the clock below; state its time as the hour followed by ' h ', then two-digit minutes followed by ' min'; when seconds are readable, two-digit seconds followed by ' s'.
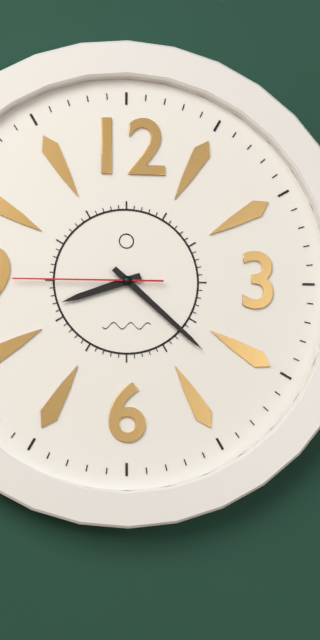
8 h 22 min 45 s
